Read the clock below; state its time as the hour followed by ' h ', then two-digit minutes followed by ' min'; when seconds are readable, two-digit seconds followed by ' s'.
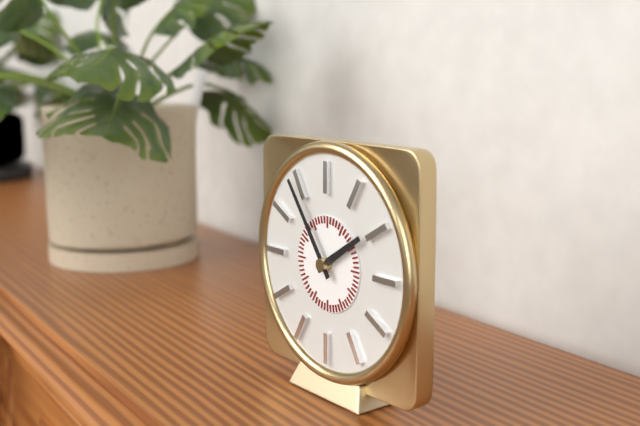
1 h 54 min
